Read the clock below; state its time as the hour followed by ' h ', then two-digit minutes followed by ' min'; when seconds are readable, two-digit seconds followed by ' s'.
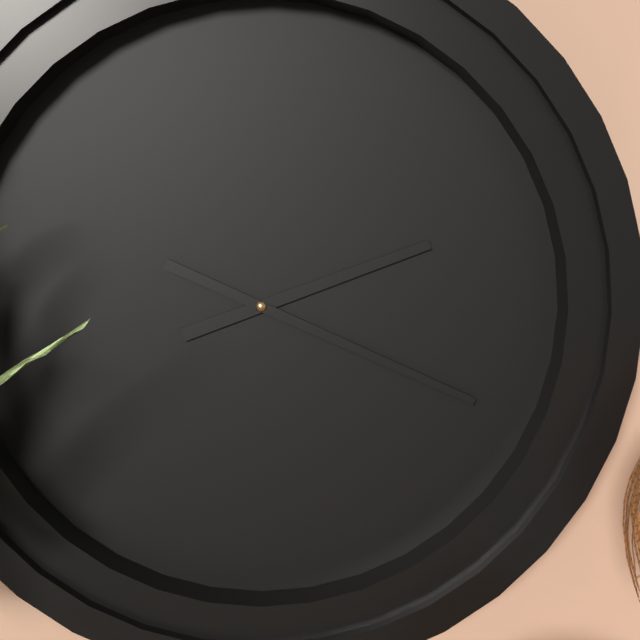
2 h 19 min
